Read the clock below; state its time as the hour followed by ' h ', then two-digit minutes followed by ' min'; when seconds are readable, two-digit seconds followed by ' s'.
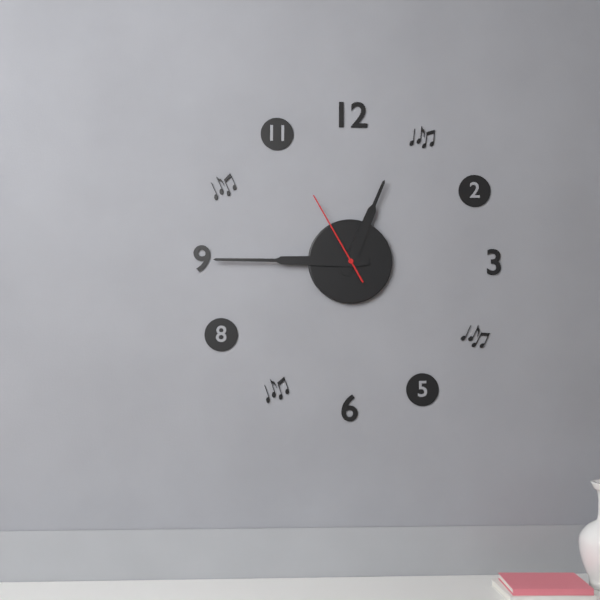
12 h 45 min 55 s
